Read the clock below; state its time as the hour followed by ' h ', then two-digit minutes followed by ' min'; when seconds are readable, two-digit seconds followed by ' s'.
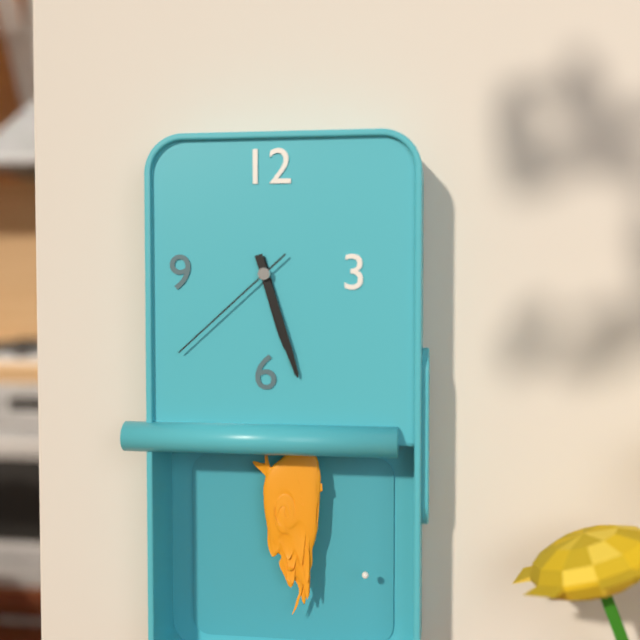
5 h 27 min 38 s
